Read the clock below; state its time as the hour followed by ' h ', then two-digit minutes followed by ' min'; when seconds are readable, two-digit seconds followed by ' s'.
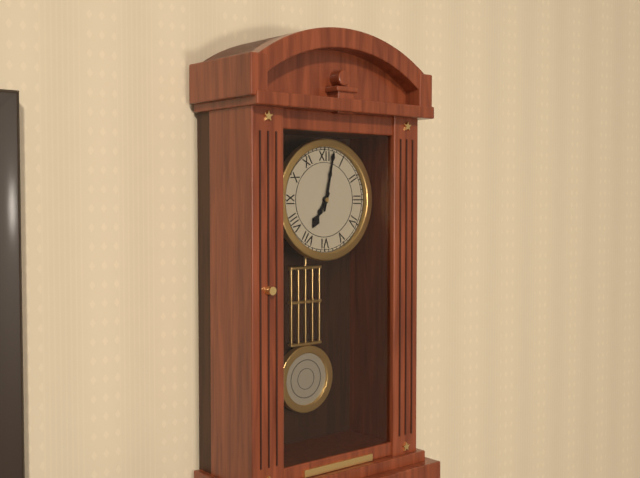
7 h 02 min
